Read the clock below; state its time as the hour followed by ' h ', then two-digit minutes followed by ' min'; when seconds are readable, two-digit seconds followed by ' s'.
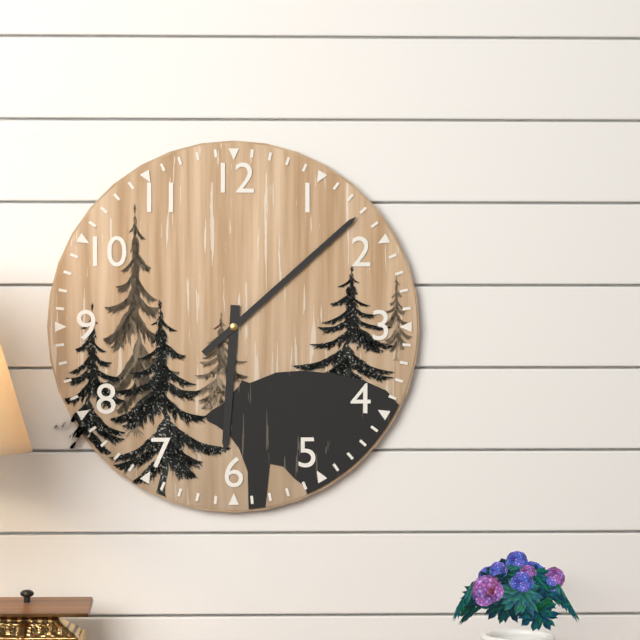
6 h 08 min
